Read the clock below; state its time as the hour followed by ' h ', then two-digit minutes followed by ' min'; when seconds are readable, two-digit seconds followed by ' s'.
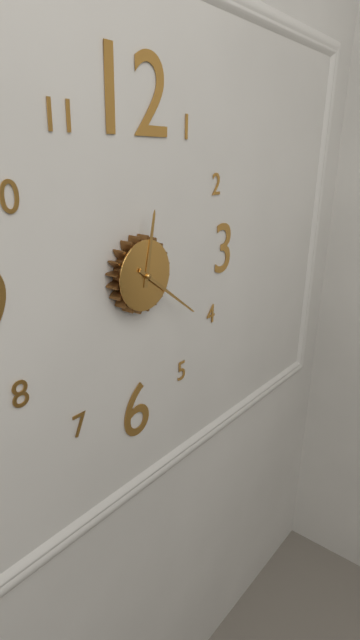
12 h 21 min
